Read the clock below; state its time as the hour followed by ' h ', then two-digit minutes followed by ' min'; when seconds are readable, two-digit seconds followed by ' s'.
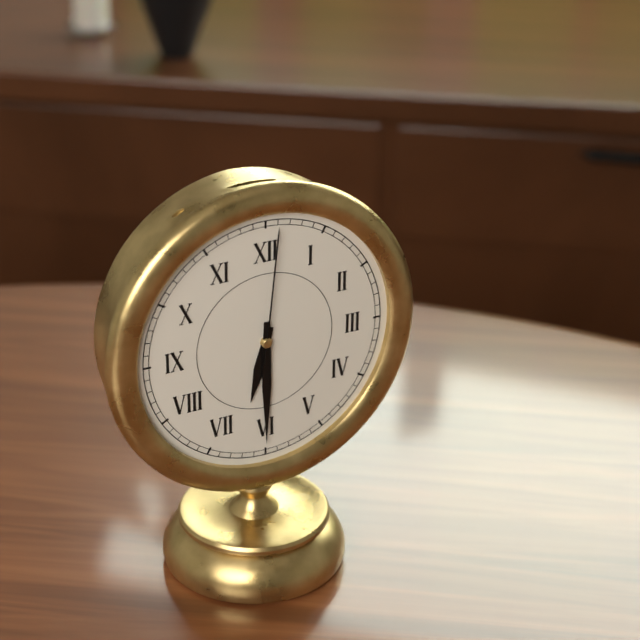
6 h 30 min 01 s
